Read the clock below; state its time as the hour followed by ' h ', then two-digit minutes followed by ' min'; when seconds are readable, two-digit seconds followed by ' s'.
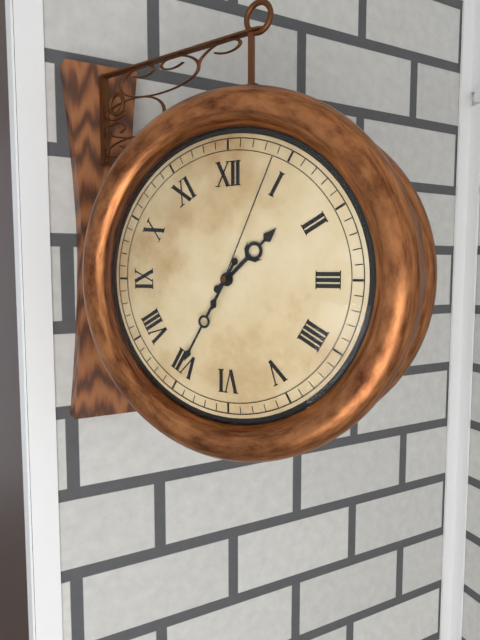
1 h 35 min 04 s
